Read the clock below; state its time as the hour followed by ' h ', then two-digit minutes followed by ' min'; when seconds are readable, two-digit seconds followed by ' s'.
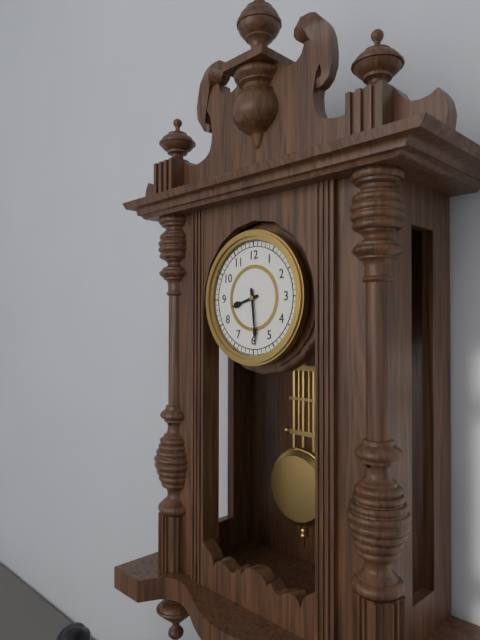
8 h 29 min
